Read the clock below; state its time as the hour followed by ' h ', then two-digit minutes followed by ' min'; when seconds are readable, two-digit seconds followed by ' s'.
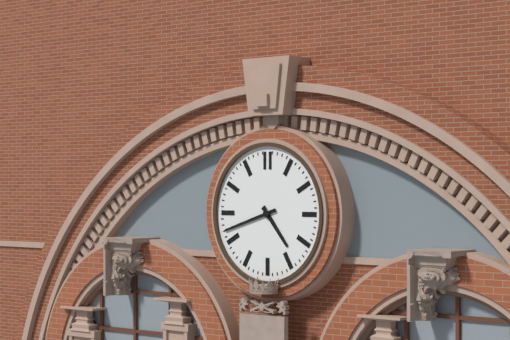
4 h 42 min
